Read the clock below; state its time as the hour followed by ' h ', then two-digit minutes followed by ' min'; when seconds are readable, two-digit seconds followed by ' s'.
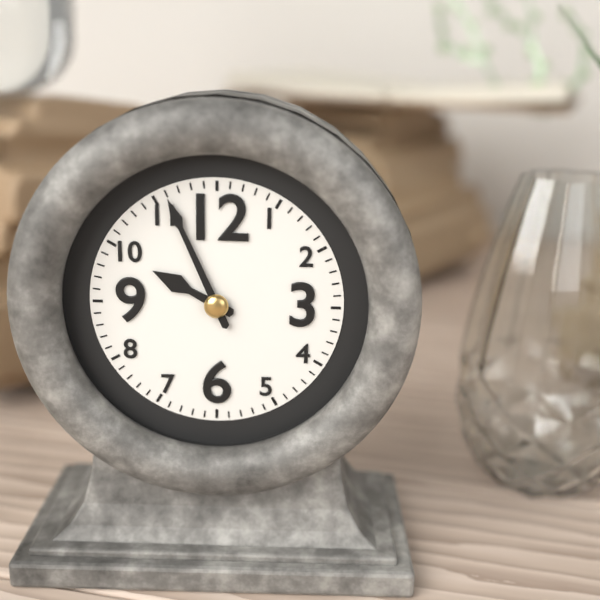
9 h 56 min
